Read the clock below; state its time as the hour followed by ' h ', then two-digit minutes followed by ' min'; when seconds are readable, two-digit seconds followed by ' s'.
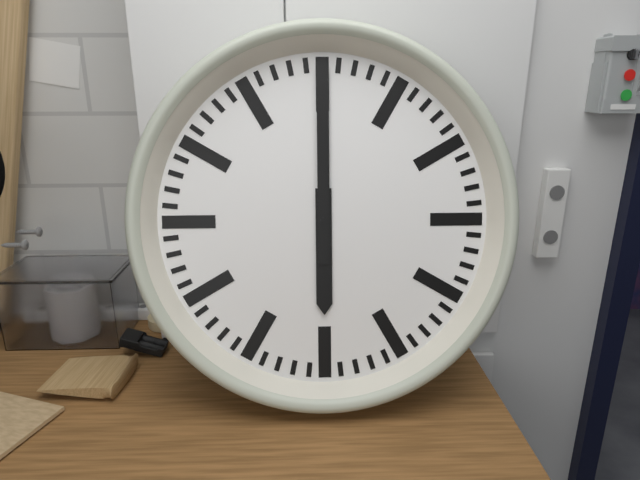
6 h 00 min
